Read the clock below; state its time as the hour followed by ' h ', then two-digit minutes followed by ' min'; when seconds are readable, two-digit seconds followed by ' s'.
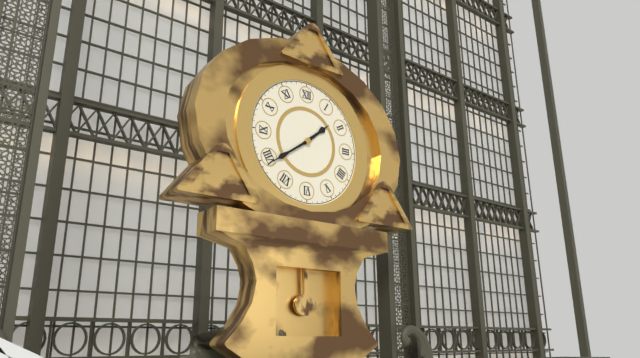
1 h 39 min
